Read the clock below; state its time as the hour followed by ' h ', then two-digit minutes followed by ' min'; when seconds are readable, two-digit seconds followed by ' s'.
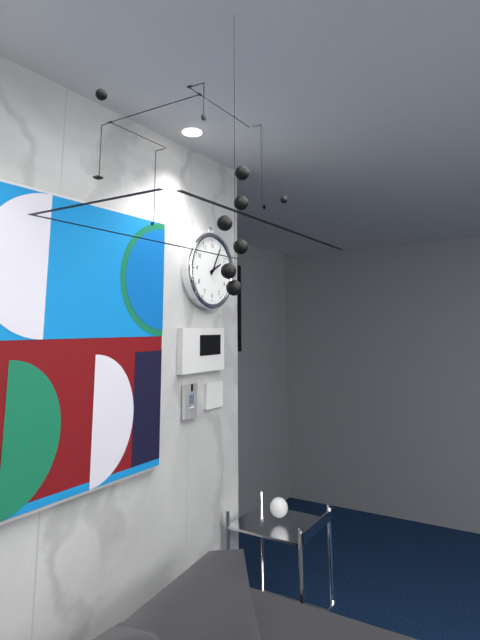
2 h 05 min
